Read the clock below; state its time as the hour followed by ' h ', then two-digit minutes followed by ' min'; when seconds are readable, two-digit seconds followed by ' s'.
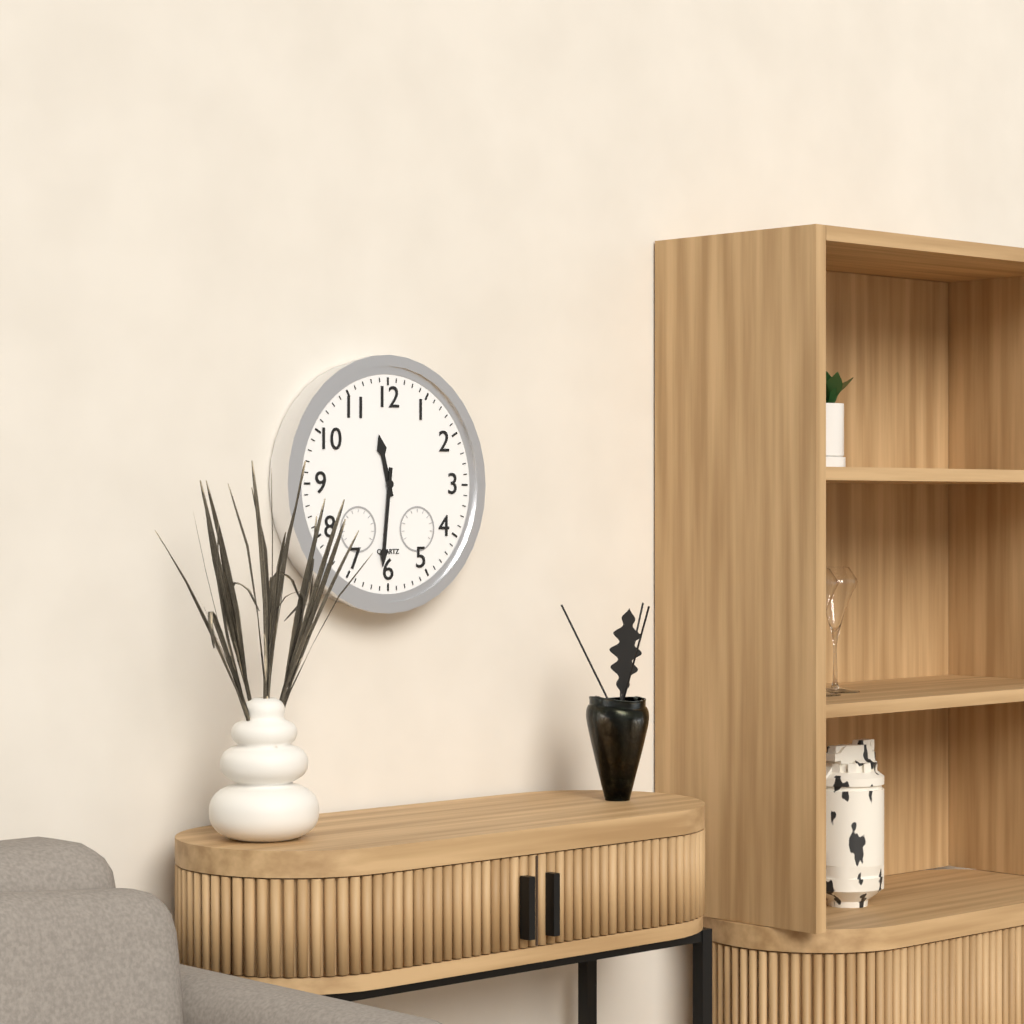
11 h 31 min
